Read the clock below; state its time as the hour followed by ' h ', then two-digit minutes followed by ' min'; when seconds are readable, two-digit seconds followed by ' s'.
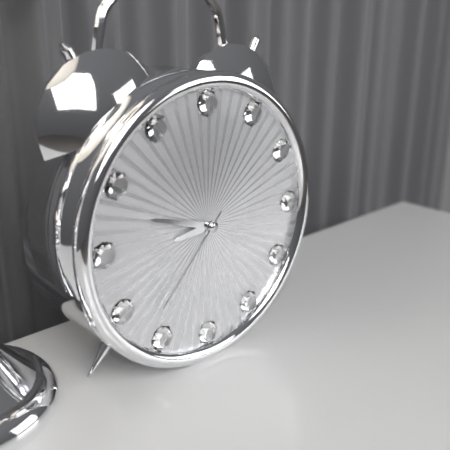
8 h 48 min 37 s
